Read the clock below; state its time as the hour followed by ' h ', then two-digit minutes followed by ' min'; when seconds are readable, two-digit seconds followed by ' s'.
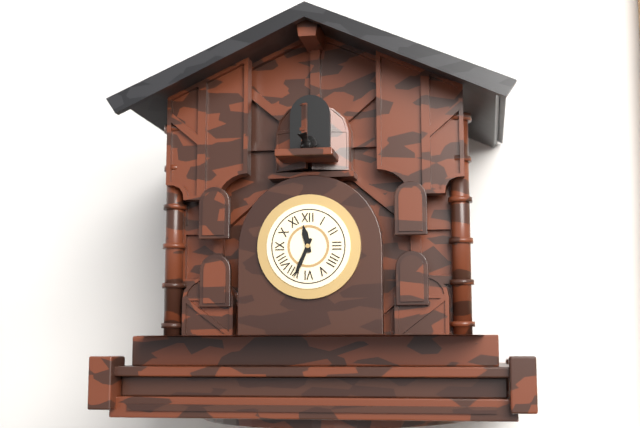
11 h 34 min
